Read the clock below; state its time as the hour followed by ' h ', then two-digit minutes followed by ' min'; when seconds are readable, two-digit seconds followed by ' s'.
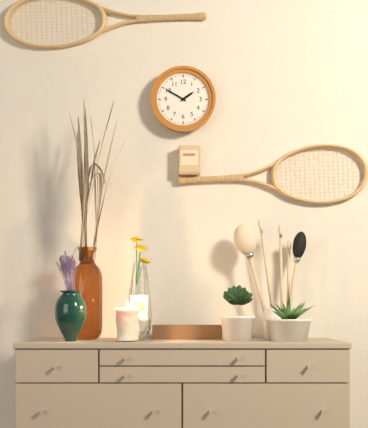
1 h 50 min
